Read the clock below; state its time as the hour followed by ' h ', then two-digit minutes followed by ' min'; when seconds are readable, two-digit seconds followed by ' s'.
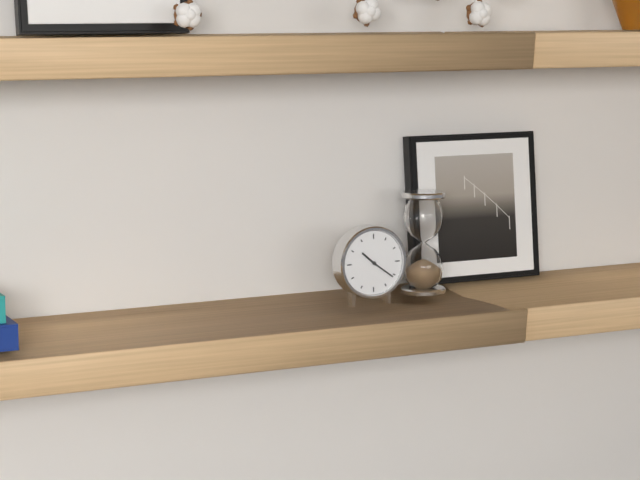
10 h 21 min
